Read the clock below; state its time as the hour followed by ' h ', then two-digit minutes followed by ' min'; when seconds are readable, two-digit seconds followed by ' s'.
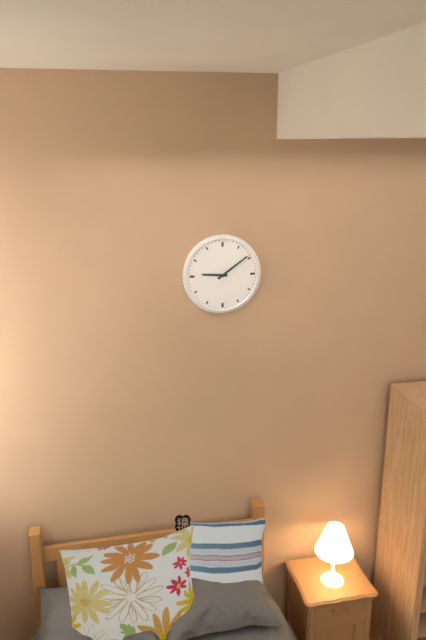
9 h 09 min
